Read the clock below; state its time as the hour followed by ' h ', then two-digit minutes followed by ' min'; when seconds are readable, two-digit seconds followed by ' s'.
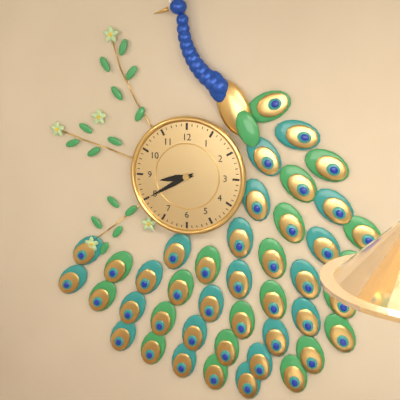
8 h 40 min
